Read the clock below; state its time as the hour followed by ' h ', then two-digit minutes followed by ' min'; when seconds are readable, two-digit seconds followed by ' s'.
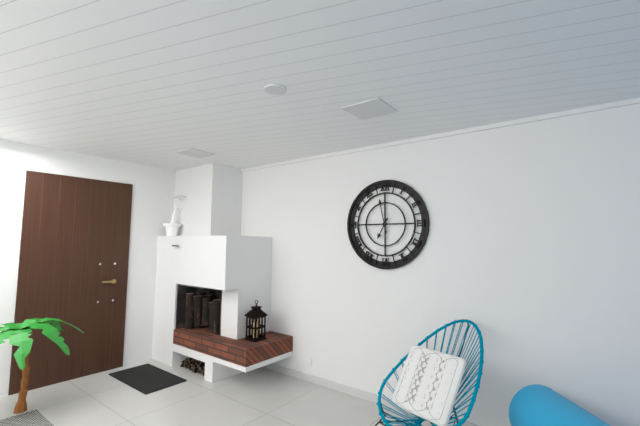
6 h 58 min
